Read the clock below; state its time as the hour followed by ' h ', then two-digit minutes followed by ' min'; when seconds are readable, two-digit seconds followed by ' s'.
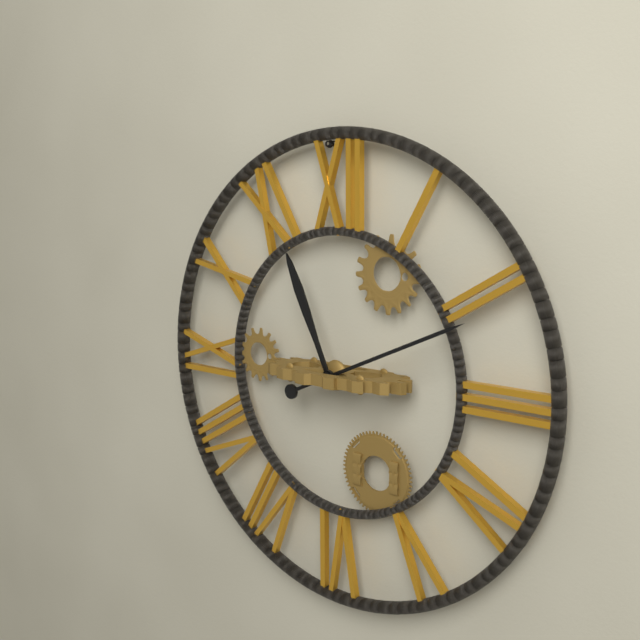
11 h 11 min
